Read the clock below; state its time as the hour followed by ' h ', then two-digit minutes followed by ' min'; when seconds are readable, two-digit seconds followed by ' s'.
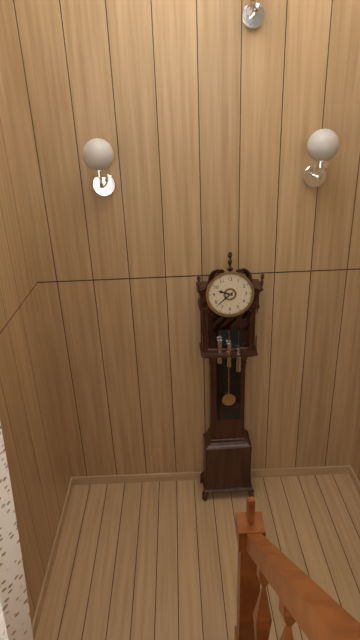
9 h 38 min
